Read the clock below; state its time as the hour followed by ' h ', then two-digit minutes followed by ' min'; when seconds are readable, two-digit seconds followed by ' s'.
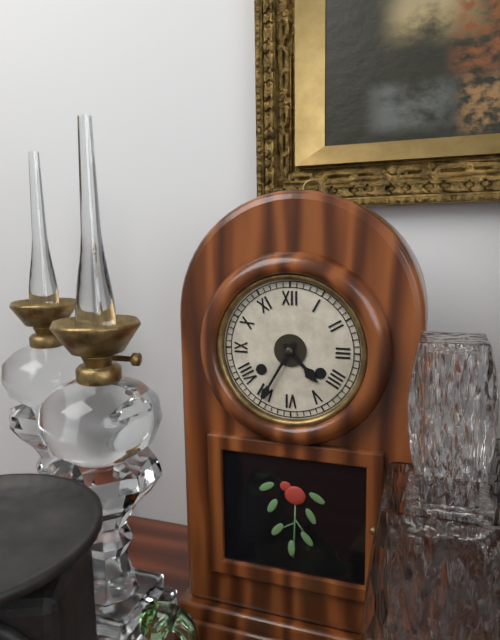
4 h 35 min
